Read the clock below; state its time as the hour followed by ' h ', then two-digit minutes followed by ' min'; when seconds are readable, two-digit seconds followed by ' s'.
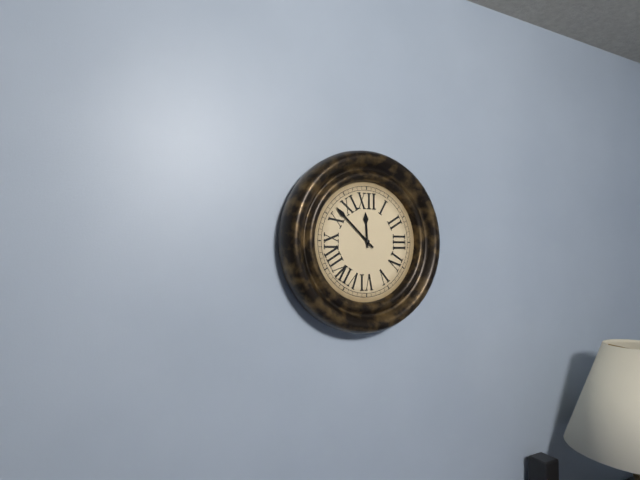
11 h 52 min
